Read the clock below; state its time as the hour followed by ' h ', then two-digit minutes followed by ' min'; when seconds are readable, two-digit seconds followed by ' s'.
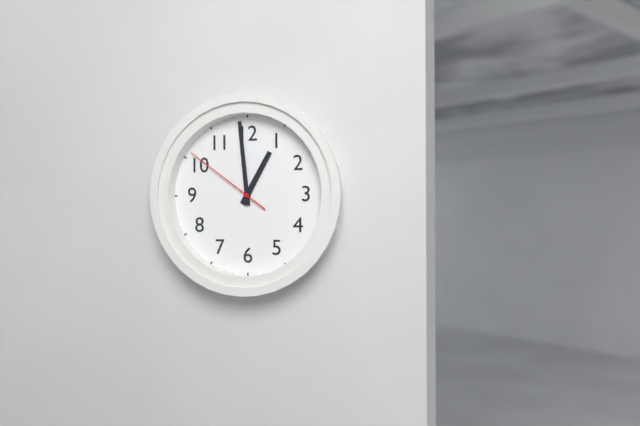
12 h 59 min 51 s
